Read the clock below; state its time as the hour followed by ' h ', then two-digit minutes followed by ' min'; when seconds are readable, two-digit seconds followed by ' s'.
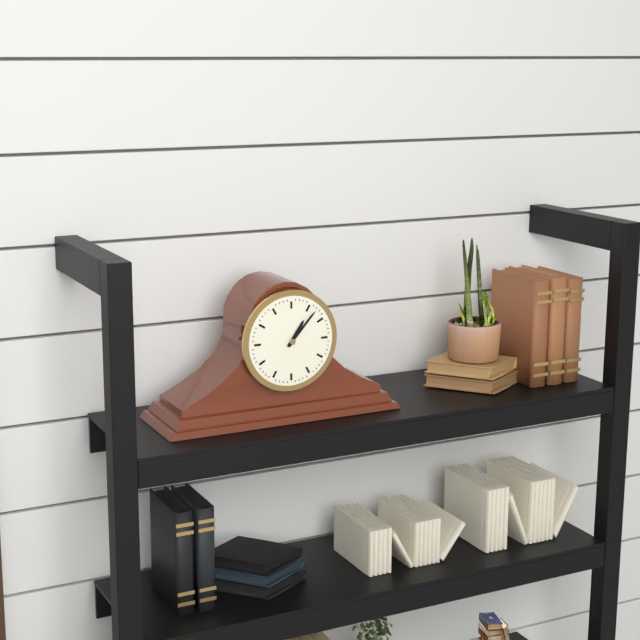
1 h 07 min
